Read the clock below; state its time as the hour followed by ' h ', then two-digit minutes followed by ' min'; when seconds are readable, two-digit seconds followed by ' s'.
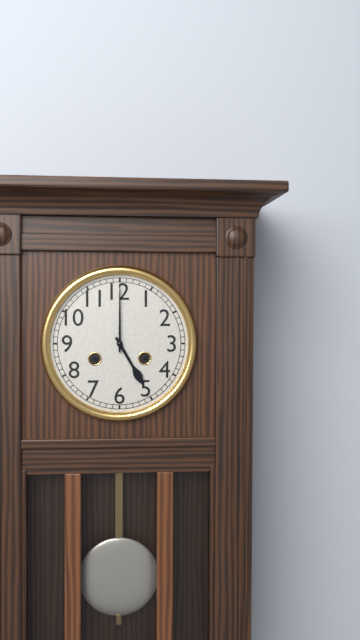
5 h 00 min
